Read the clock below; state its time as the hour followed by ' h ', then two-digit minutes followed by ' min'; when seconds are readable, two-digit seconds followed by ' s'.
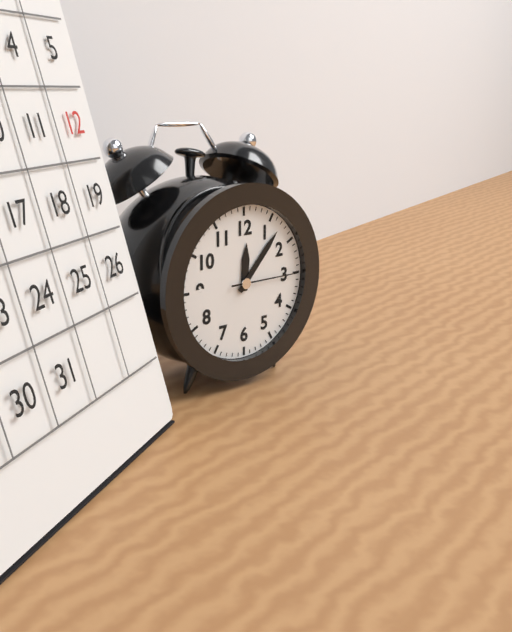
12 h 07 min 15 s
